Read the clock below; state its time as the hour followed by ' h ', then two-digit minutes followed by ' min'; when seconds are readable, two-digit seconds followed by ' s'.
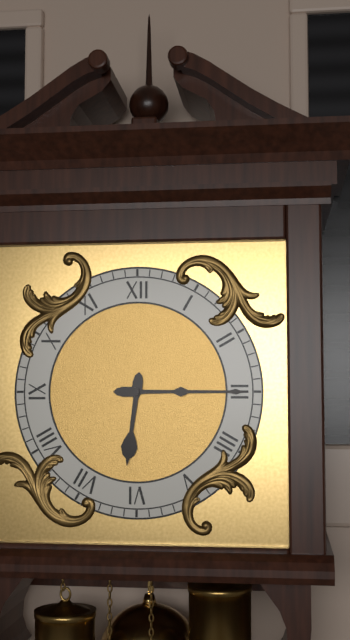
6 h 15 min
